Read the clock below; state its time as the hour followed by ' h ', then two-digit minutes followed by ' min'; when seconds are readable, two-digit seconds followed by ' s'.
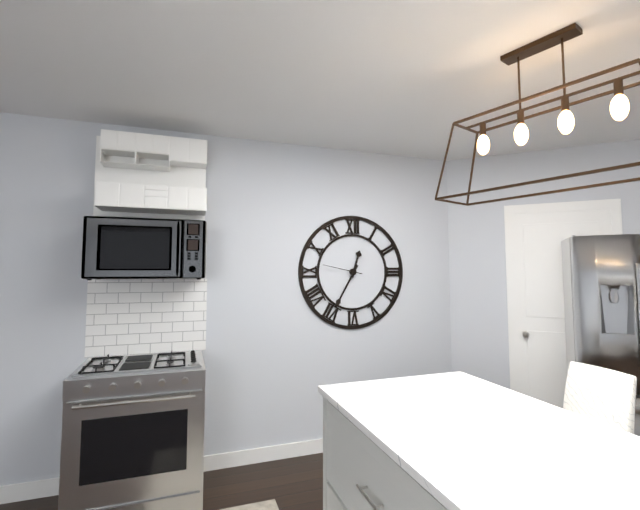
12 h 35 min
